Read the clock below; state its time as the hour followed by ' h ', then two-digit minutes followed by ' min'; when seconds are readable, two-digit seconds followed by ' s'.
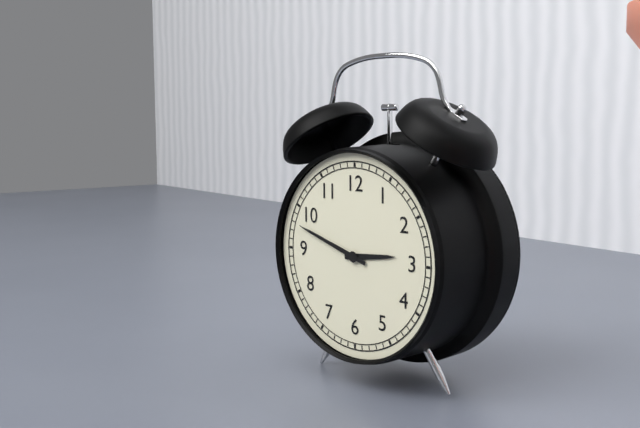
2 h 48 min
